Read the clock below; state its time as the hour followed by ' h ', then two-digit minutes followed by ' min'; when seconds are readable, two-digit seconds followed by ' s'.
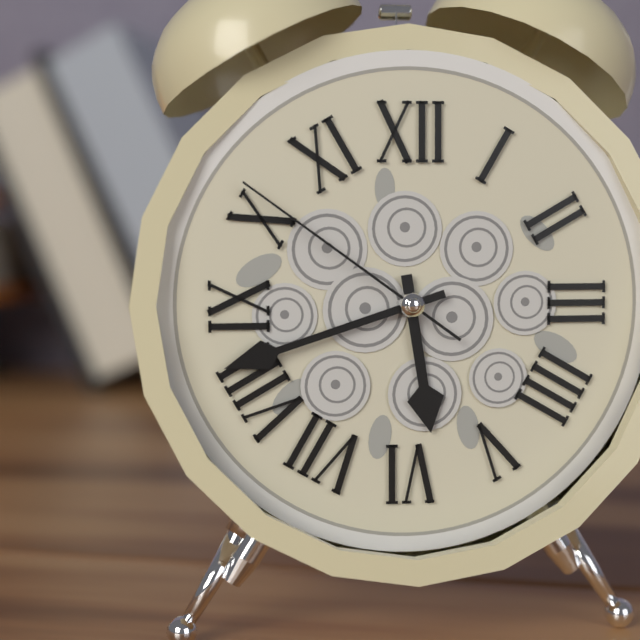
5 h 42 min 51 s
